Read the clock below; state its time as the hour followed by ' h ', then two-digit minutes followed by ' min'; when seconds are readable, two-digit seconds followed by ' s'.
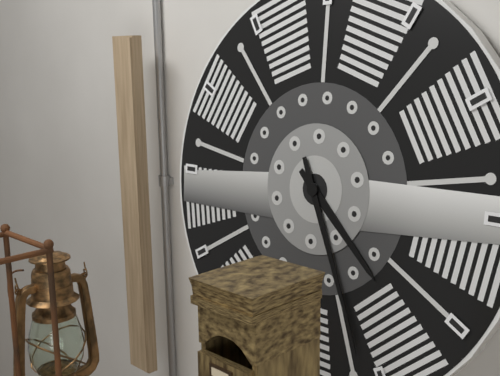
4 h 26 min
